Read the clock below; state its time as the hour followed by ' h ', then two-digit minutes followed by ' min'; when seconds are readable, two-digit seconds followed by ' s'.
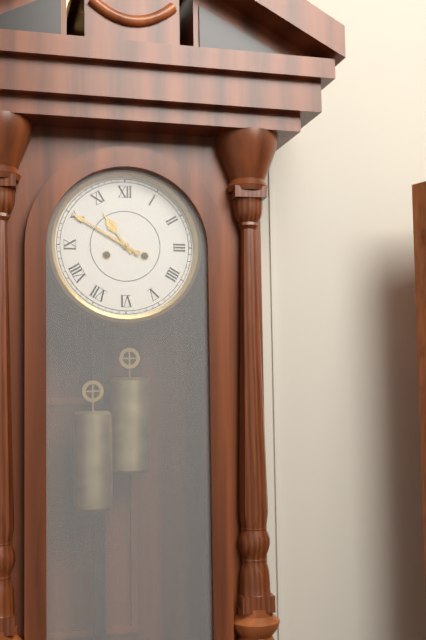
10 h 50 min
